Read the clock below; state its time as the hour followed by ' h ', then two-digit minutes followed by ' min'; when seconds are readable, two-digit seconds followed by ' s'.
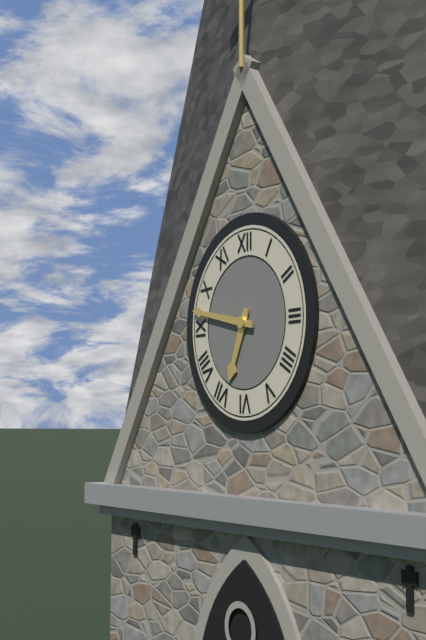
6 h 47 min
